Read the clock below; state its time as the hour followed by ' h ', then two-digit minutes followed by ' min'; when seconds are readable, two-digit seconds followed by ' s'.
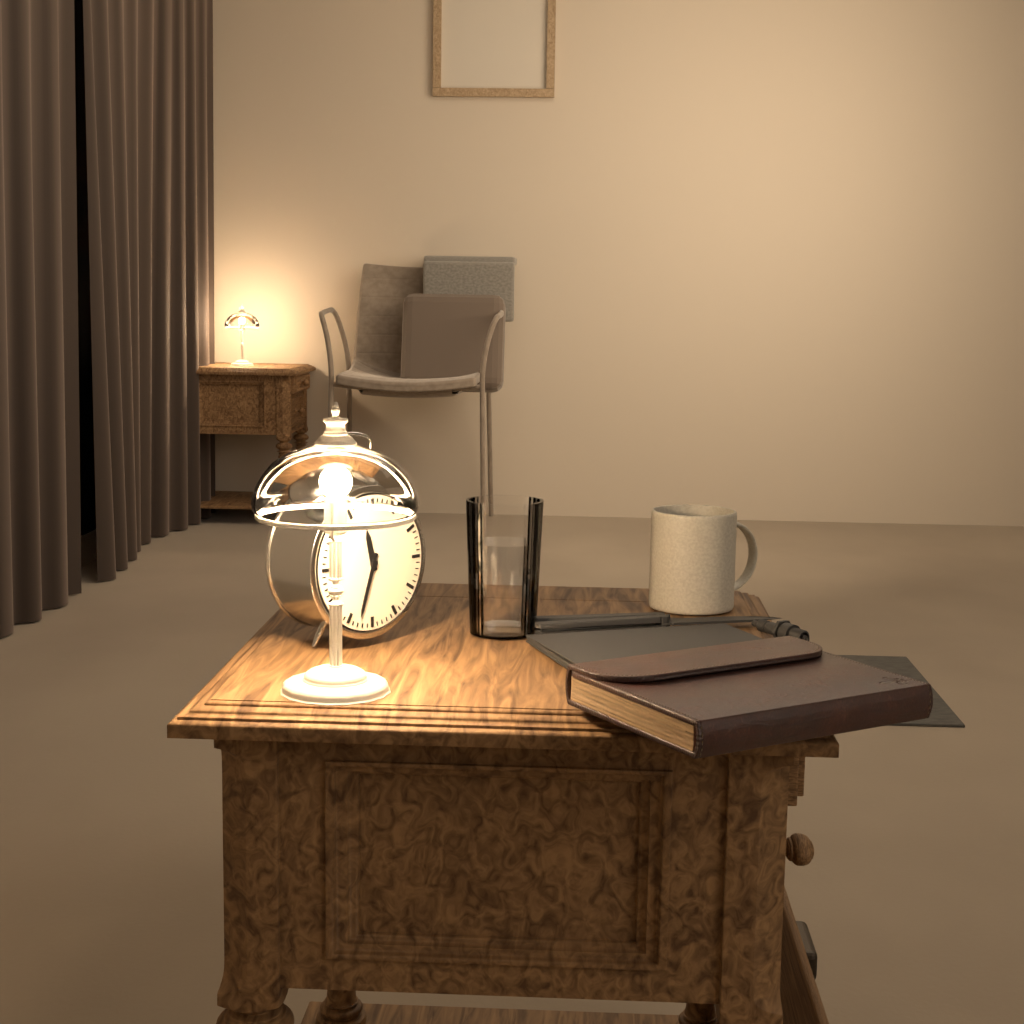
11 h 33 min
